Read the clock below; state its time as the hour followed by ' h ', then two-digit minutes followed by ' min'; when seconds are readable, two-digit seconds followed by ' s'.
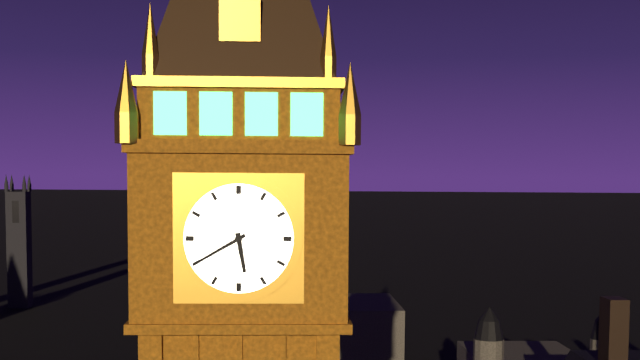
5 h 40 min
